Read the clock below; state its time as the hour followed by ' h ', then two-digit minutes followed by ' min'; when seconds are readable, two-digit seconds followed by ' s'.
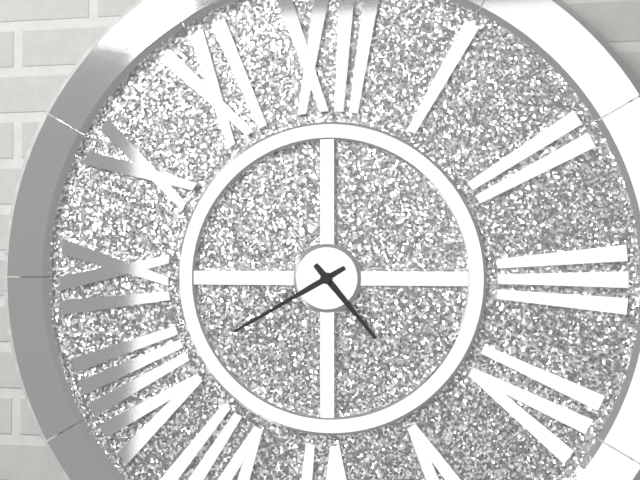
4 h 40 min
